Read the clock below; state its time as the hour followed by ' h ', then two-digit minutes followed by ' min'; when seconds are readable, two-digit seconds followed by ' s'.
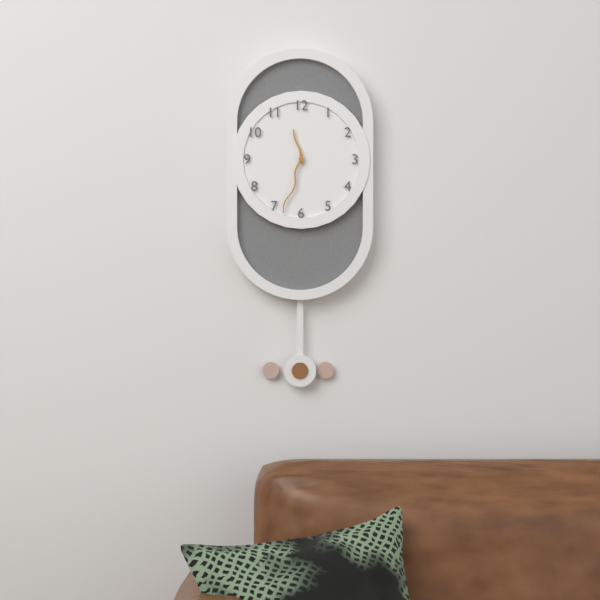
11 h 33 min
